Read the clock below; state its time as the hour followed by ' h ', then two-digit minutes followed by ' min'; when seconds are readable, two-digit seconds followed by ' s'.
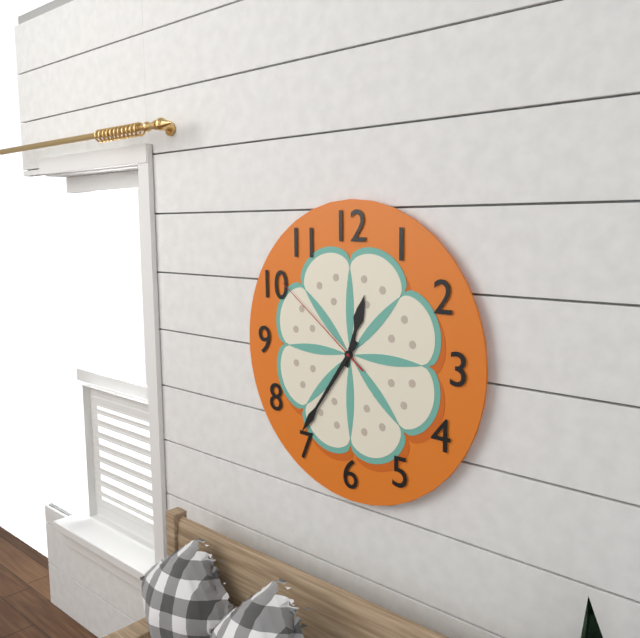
12 h 36 min 51 s
